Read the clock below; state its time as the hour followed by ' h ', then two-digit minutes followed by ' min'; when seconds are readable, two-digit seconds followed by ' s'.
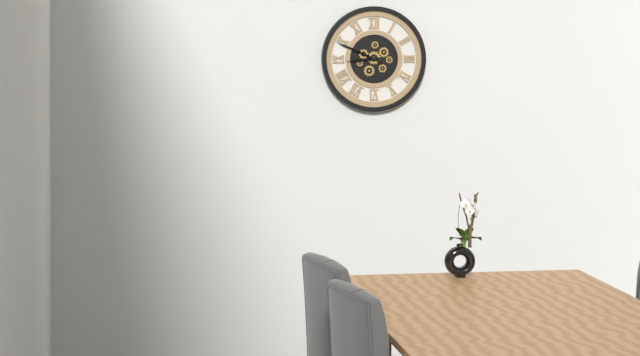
8 h 49 min
